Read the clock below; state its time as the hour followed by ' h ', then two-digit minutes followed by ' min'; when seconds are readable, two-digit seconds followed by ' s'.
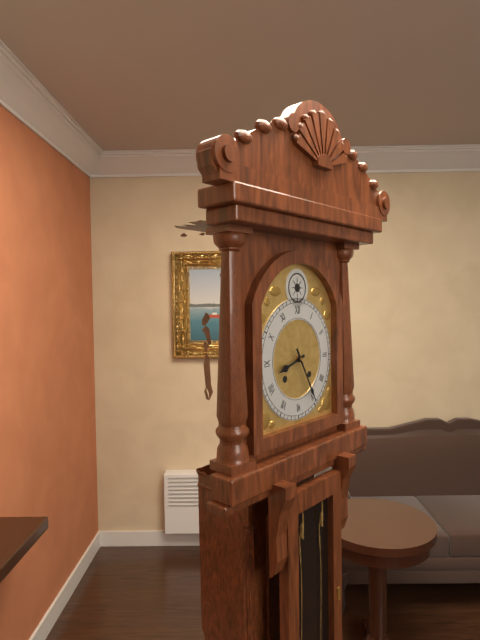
8 h 25 min
